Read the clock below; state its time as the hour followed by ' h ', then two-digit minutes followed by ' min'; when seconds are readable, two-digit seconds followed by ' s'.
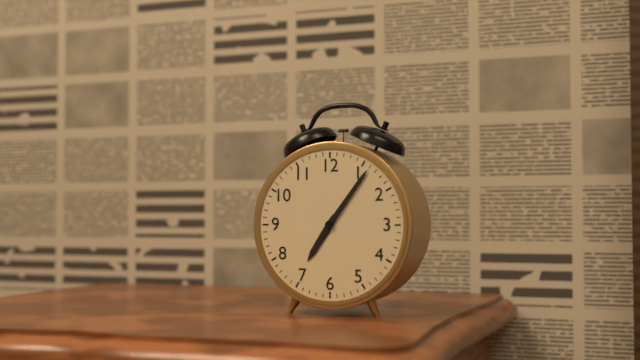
7 h 06 min
